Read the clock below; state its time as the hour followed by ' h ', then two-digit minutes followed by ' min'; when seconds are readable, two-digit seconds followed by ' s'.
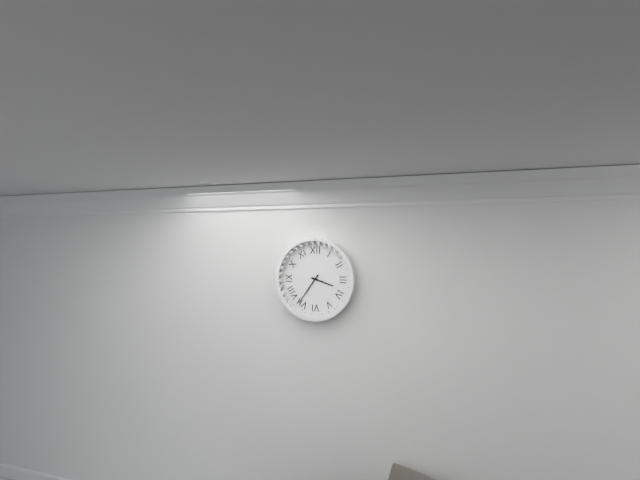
3 h 36 min
